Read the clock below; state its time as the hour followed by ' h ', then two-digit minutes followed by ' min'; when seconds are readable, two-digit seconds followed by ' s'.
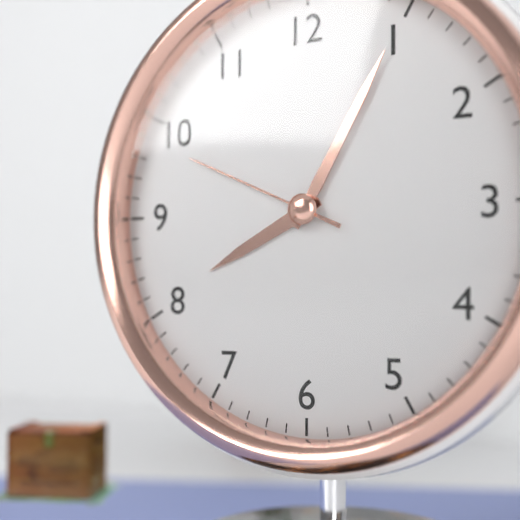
8 h 05 min 49 s
